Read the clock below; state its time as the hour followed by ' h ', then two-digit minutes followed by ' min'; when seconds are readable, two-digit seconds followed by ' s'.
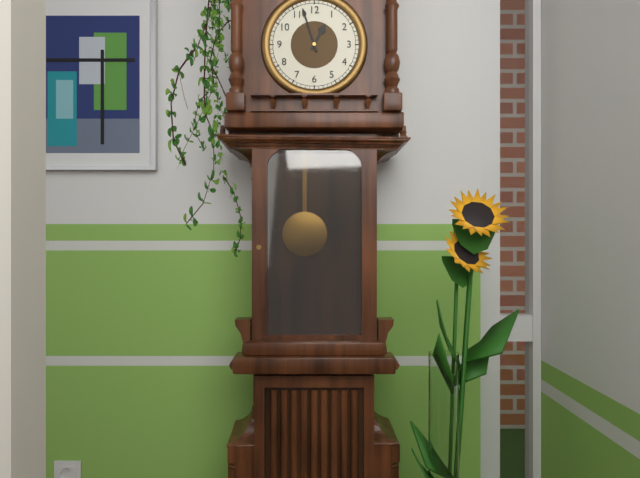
12 h 57 min
